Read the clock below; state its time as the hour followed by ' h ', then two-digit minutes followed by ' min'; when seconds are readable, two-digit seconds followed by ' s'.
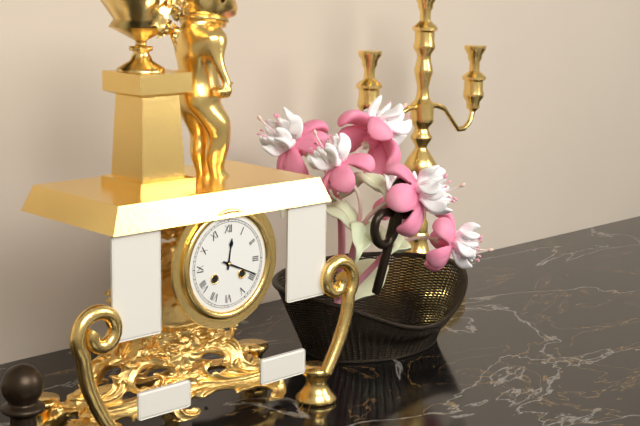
12 h 19 min
